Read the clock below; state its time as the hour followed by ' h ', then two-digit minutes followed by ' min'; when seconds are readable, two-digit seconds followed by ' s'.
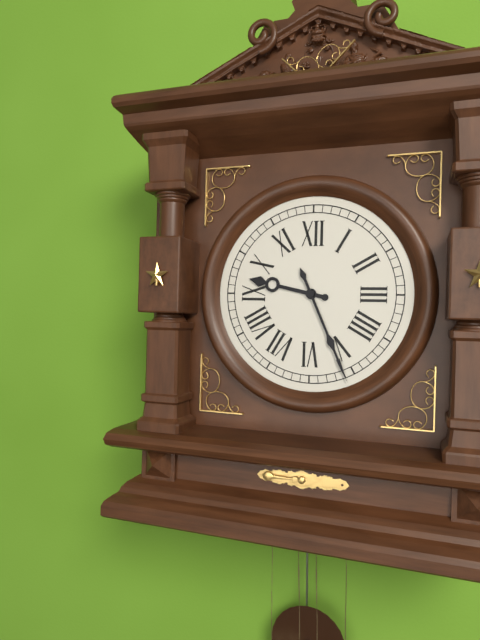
9 h 26 min
